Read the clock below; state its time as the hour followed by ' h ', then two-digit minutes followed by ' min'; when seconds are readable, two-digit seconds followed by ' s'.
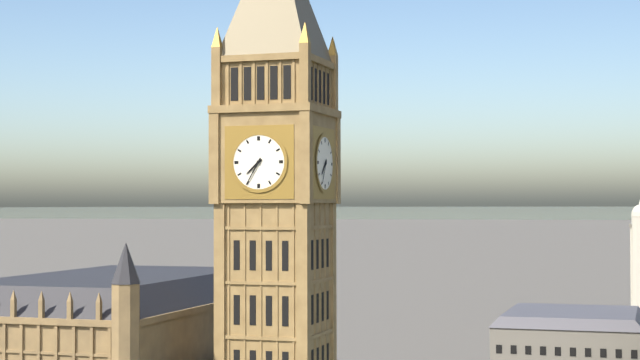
7 h 35 min
